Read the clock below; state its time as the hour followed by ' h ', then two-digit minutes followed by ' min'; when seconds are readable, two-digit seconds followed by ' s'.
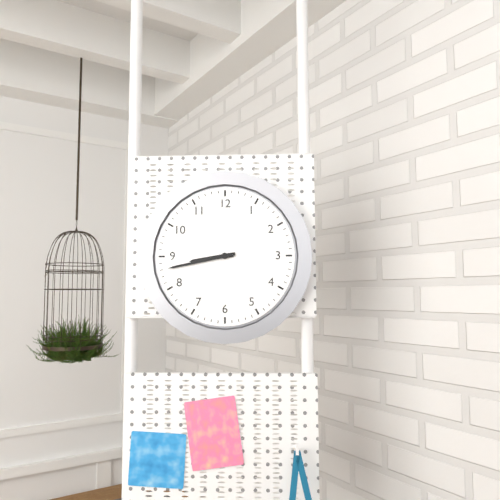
8 h 43 min
